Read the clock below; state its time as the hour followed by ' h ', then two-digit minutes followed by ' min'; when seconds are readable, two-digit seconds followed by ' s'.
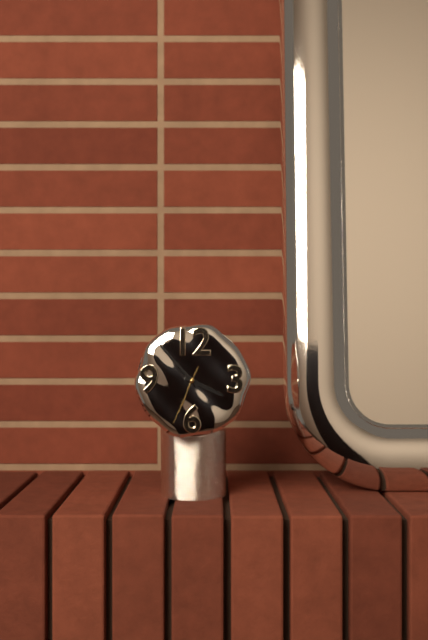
3 h 53 min 34 s
